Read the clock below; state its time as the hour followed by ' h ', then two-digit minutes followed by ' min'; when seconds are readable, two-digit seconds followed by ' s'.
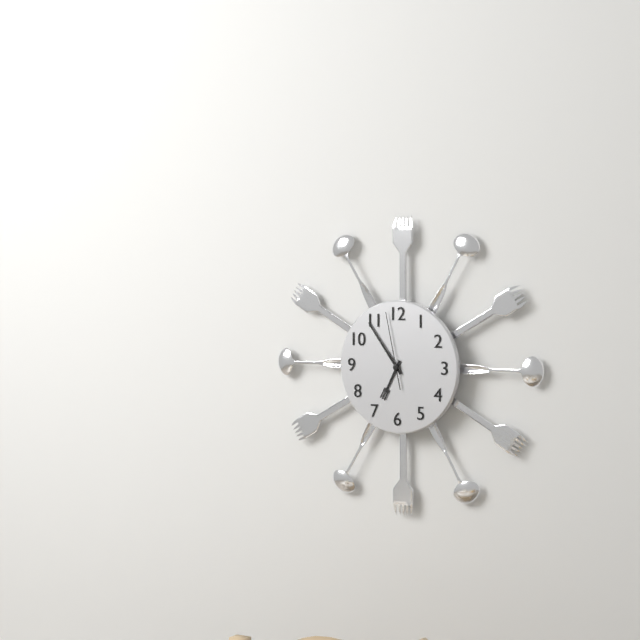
6 h 54 min 58 s
